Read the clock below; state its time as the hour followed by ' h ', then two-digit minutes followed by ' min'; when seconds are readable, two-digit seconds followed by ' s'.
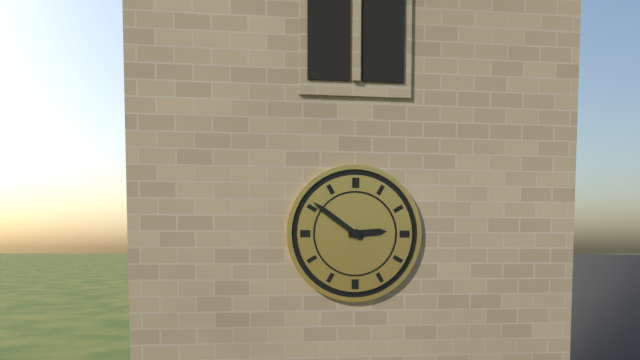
2 h 51 min
